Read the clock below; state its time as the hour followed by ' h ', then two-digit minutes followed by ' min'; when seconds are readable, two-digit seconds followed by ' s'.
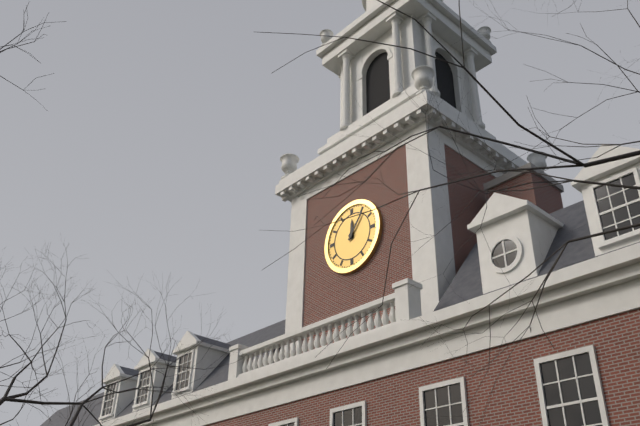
12 h 06 min
